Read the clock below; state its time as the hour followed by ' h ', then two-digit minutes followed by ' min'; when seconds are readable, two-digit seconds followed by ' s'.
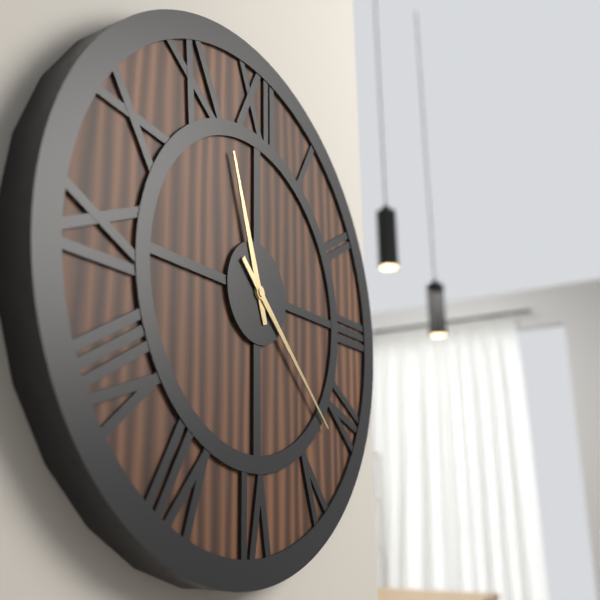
11 h 22 min
